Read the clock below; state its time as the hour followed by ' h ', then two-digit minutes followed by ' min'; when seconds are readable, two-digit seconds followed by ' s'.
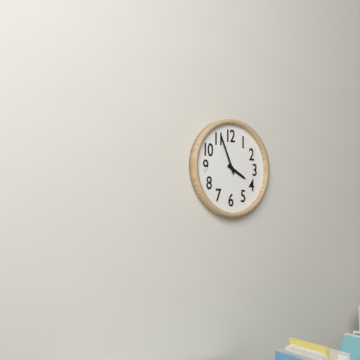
3 h 56 min
